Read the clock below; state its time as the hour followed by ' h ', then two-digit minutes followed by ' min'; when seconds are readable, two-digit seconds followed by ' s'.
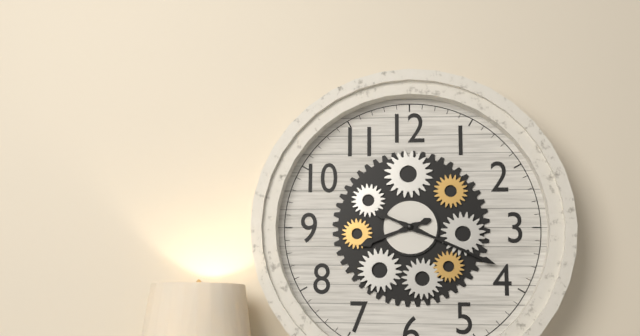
8 h 19 min
